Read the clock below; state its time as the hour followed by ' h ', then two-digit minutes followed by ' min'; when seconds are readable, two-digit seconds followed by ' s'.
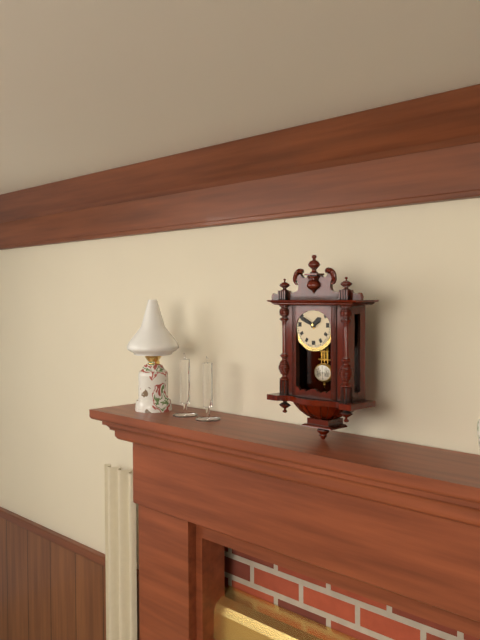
1 h 49 min
